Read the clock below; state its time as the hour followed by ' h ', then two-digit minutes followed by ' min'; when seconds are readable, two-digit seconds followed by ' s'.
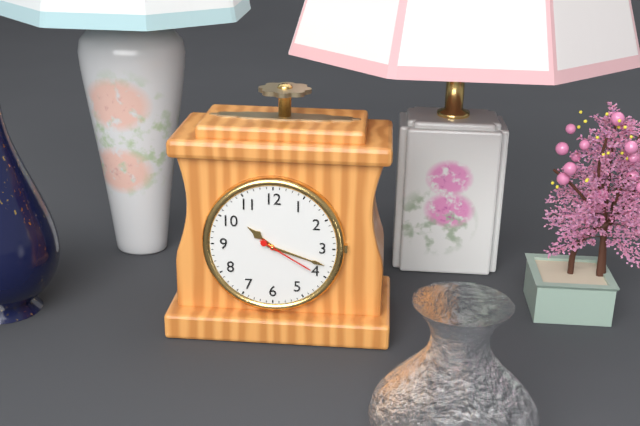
10 h 18 min 20 s
